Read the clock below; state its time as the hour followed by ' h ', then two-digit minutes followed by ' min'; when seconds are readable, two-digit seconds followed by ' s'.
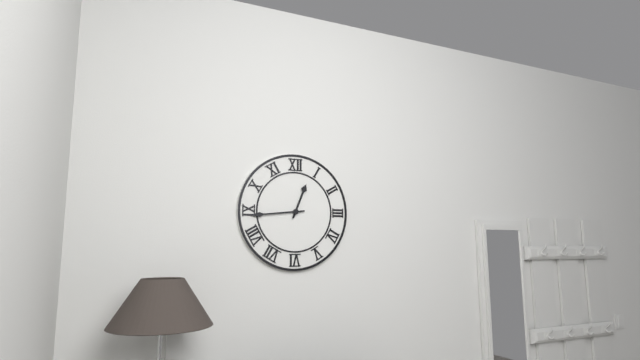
12 h 44 min
